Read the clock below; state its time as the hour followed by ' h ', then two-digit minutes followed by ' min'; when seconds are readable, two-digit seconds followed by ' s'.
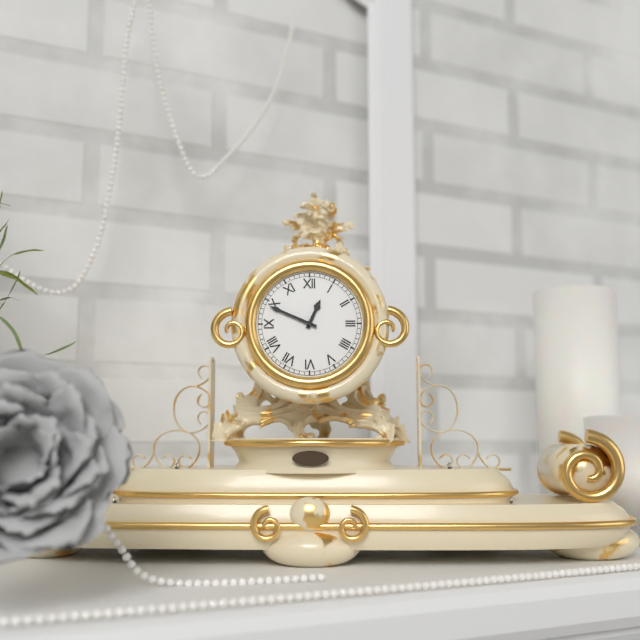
12 h 49 min
